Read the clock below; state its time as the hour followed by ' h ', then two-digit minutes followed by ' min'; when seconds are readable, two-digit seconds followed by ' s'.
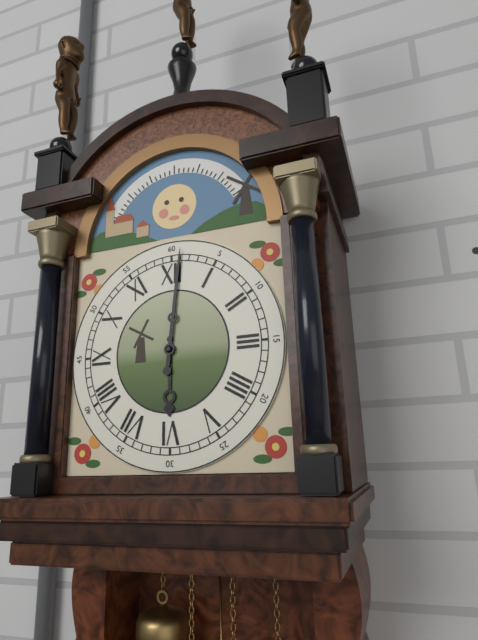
6 h 01 min
